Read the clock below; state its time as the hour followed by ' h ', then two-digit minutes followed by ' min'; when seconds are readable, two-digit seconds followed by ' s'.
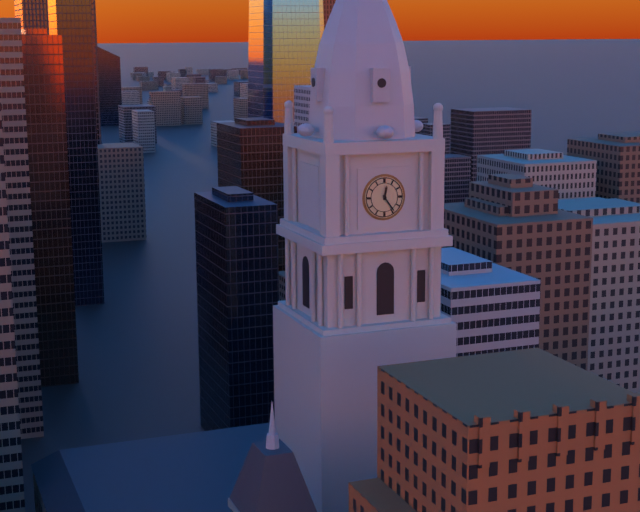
12 h 24 min
